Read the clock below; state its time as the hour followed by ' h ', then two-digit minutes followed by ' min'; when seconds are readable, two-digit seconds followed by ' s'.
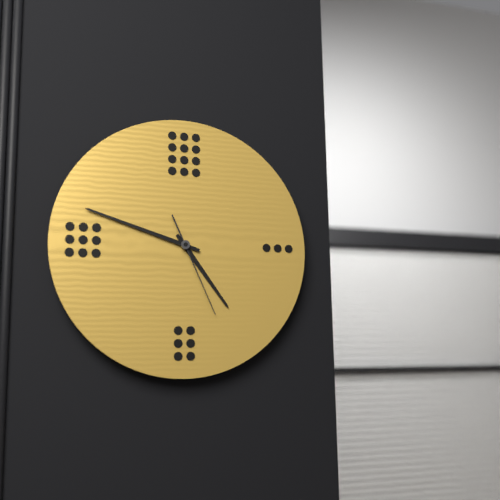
4 h 48 min 26 s
